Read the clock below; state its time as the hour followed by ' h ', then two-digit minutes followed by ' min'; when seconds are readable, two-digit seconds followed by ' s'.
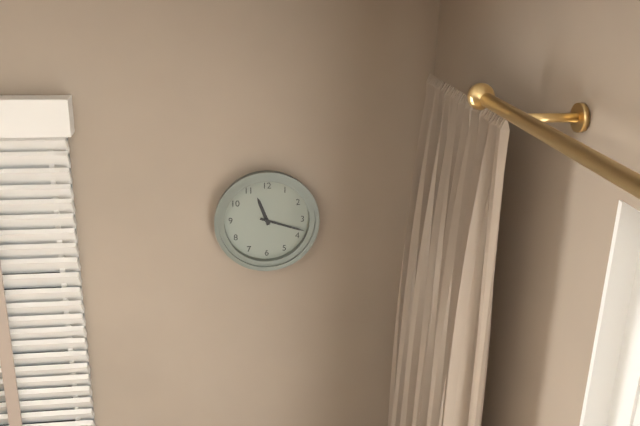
11 h 18 min
